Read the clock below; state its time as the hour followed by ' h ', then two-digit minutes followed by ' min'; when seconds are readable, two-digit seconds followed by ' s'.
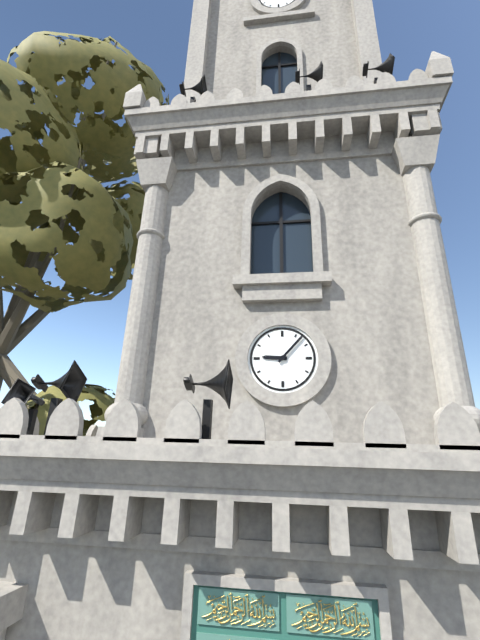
9 h 07 min
